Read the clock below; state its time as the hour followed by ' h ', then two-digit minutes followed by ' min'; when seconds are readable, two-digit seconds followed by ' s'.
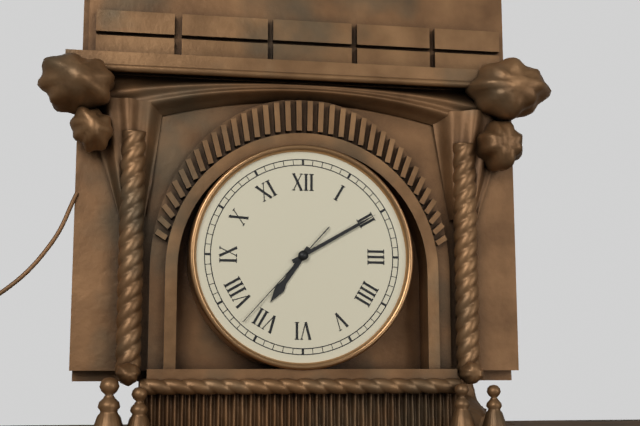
7 h 10 min 37 s
